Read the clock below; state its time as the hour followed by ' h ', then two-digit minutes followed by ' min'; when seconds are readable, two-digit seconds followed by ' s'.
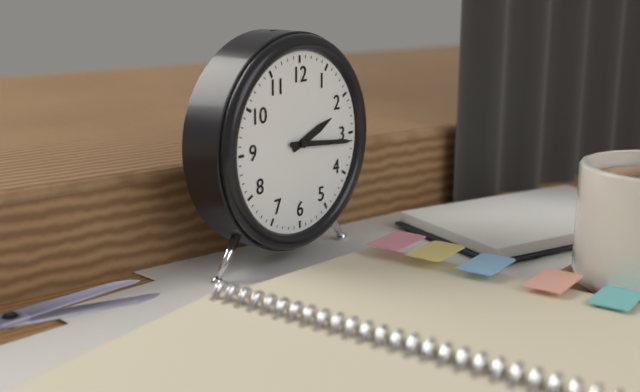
2 h 16 min
